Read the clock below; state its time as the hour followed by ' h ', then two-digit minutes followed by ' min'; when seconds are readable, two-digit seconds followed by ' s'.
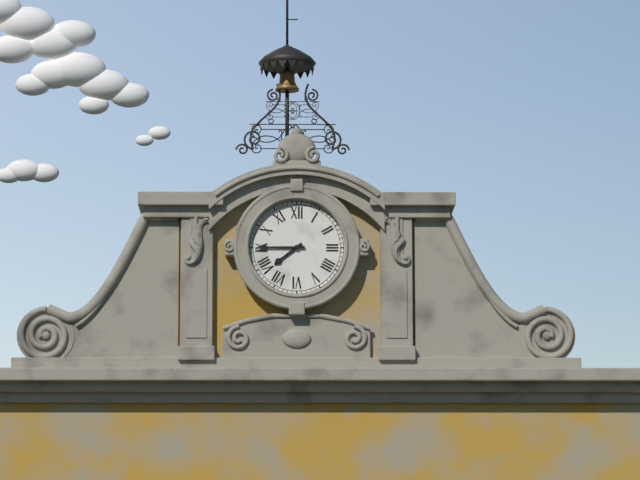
7 h 45 min
